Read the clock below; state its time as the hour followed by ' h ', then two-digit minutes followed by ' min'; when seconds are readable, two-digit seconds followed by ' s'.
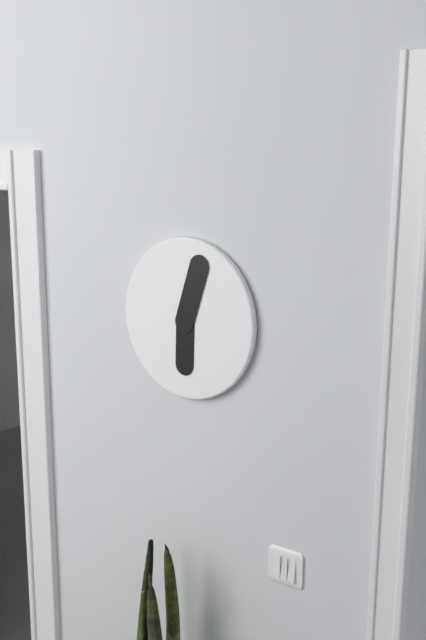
6 h 03 min
